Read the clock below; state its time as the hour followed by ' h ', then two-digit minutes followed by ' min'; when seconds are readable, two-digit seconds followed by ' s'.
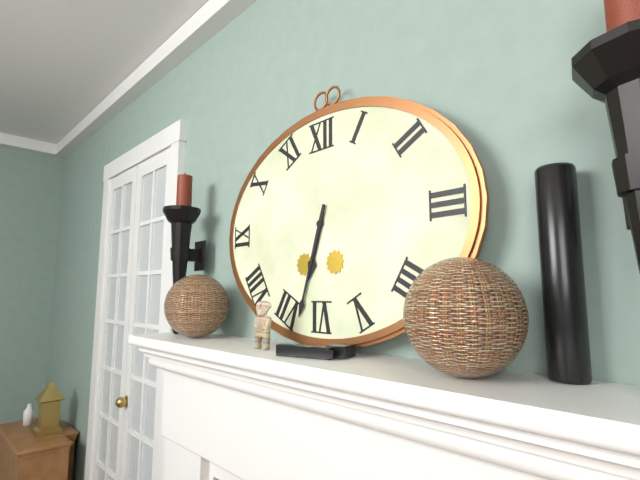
6 h 33 min
